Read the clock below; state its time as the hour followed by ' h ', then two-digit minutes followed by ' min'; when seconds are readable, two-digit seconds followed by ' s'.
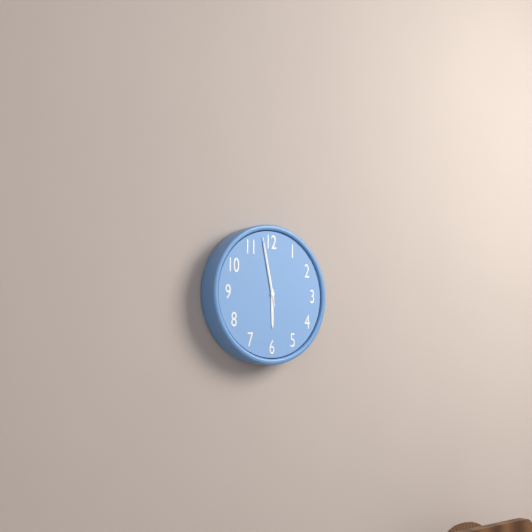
5 h 58 min 58 s
